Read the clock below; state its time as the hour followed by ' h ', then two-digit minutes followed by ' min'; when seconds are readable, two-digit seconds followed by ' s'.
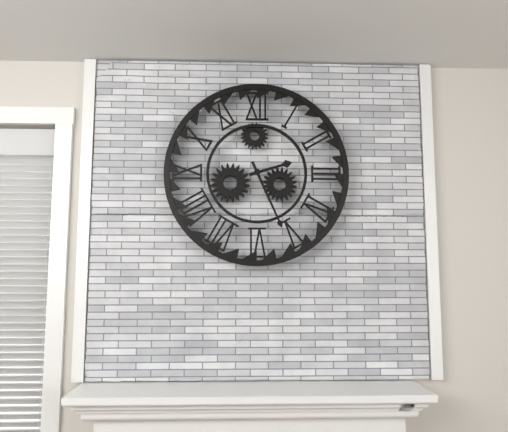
2 h 26 min
